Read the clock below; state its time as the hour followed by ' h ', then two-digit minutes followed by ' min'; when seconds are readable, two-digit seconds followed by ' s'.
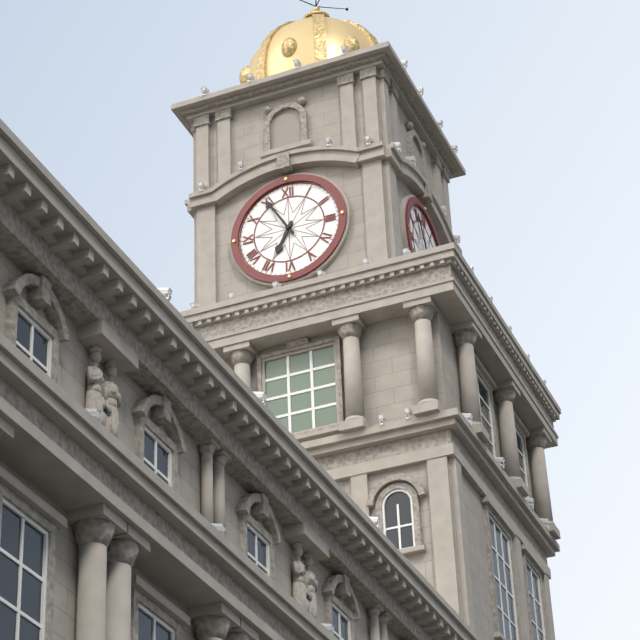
6 h 55 min
